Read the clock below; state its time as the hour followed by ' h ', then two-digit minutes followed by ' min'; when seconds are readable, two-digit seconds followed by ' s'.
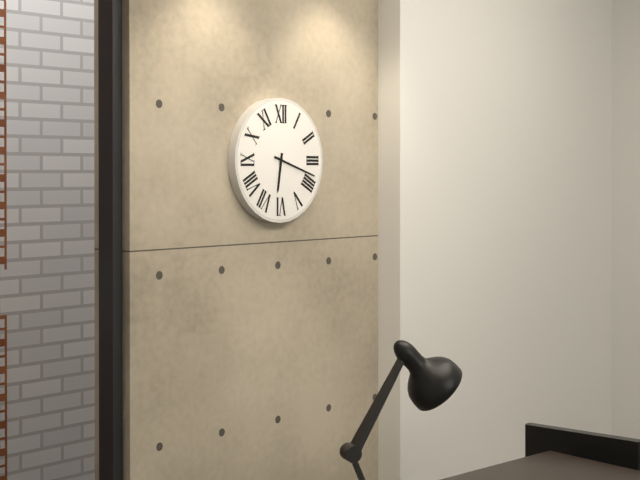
6 h 18 min
